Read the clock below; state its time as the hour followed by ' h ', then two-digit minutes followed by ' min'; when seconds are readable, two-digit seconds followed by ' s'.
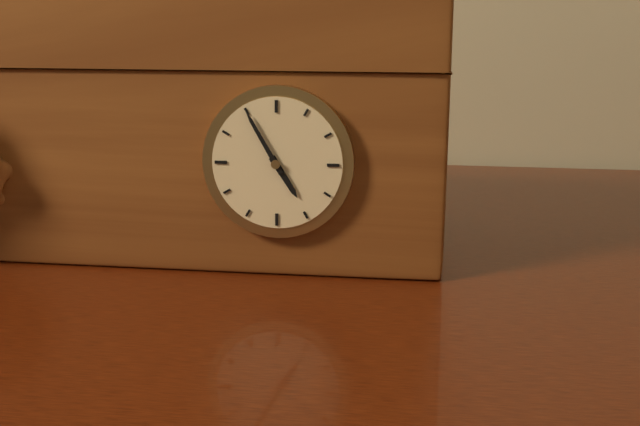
4 h 55 min
